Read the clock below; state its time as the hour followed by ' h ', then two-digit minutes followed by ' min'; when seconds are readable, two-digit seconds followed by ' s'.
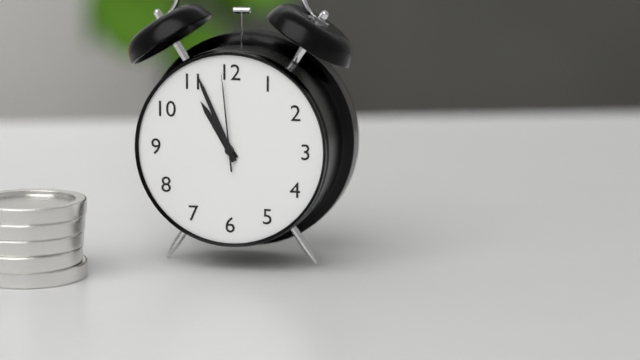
10 h 56 min 59 s
